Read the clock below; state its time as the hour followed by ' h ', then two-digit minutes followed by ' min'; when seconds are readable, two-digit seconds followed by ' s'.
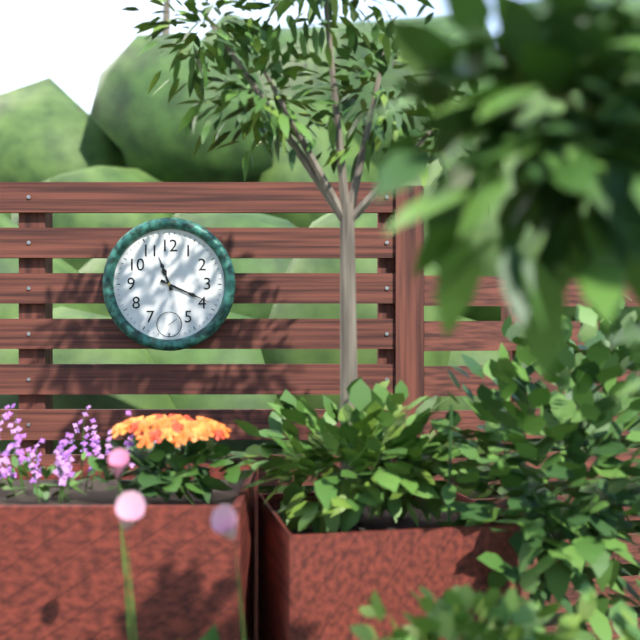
11 h 19 min
